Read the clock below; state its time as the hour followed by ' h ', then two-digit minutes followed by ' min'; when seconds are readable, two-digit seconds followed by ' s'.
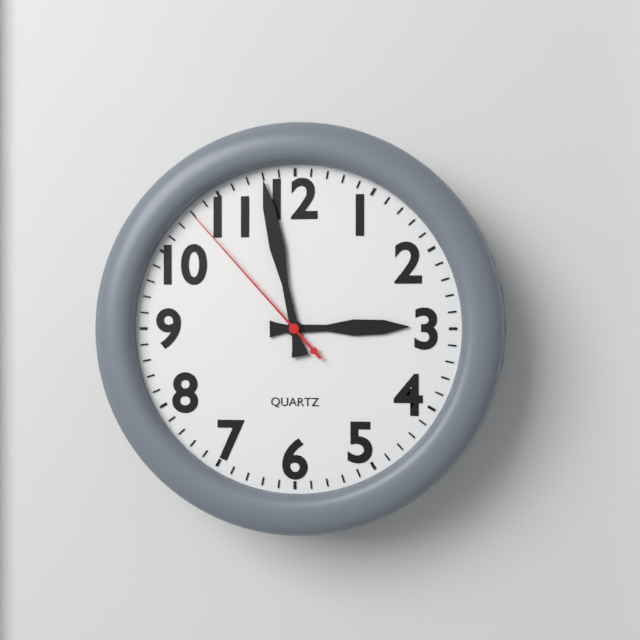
2 h 58 min 53 s
